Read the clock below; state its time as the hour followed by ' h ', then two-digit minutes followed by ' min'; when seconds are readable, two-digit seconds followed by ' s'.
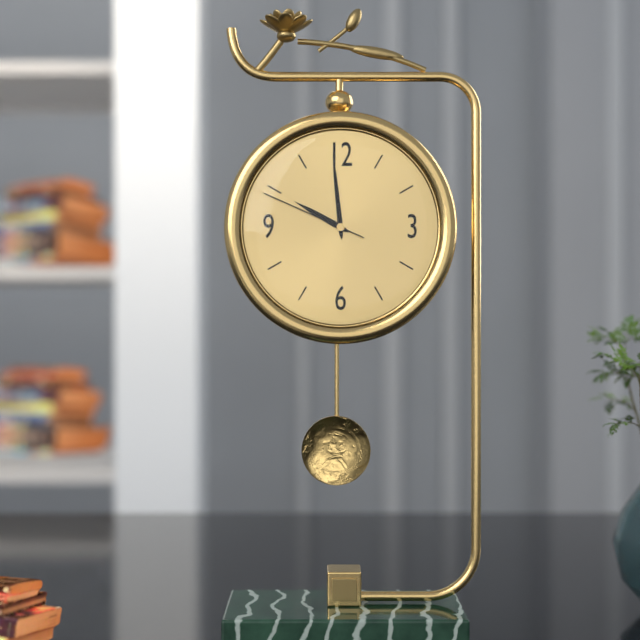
9 h 59 min 49 s
